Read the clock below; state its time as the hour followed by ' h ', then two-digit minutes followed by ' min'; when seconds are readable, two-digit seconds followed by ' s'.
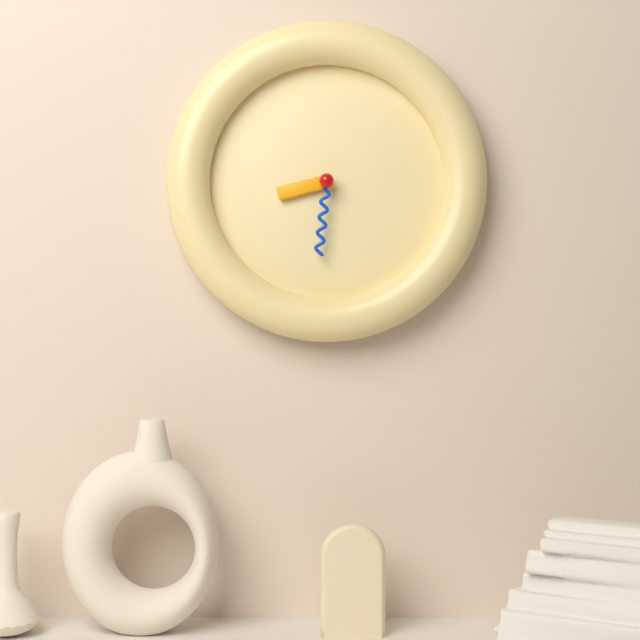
8 h 31 min
